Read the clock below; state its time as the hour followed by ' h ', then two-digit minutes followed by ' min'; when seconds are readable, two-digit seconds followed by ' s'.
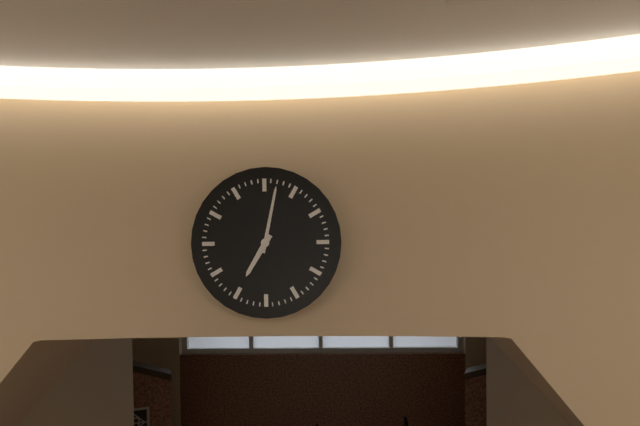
7 h 02 min
